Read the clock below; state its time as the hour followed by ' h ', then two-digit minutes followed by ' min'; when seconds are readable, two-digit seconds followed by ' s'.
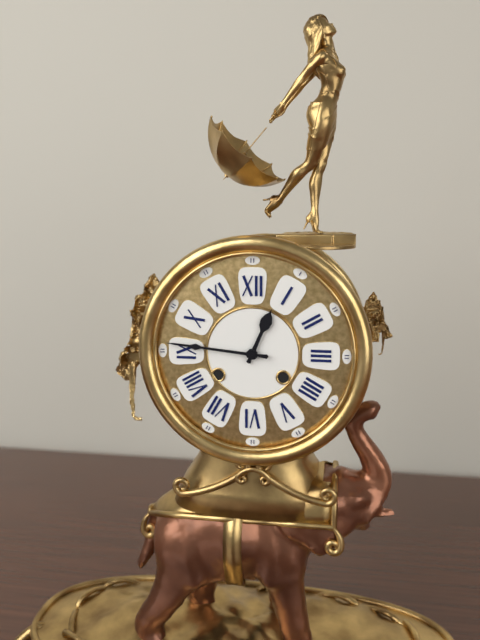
12 h 46 min
